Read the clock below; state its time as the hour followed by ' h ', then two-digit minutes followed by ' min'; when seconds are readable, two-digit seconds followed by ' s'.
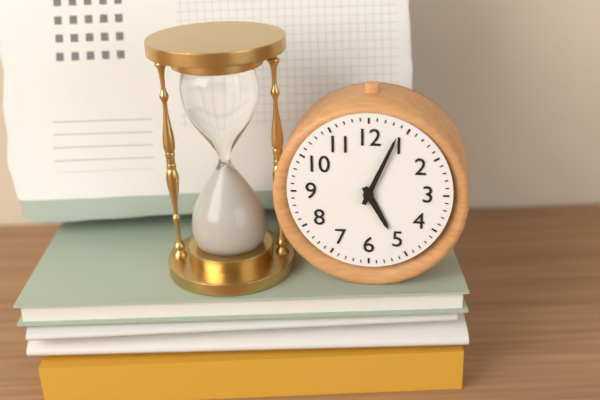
5 h 04 min
